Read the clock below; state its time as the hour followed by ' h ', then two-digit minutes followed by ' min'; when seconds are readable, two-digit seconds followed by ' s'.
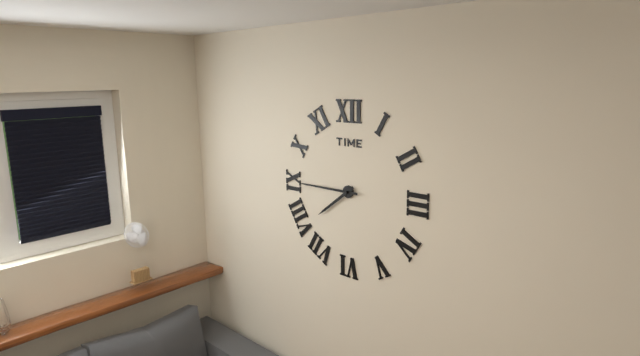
7 h 45 min
